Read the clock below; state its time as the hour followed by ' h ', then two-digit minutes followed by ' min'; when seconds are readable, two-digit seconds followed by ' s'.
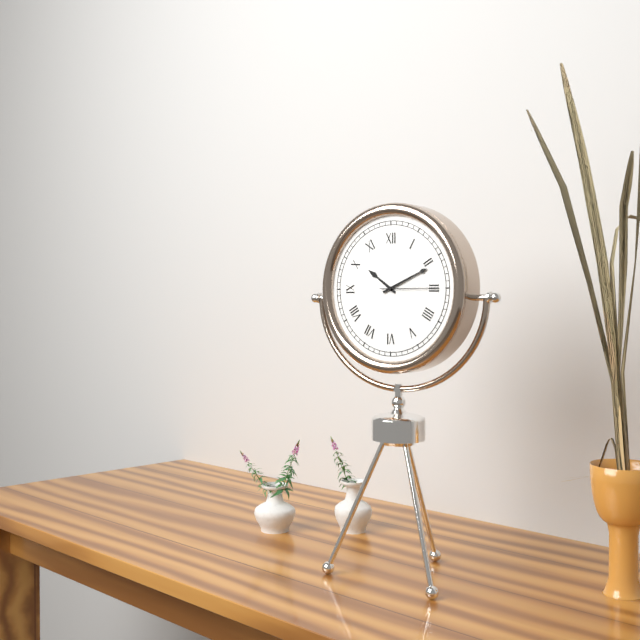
10 h 11 min
